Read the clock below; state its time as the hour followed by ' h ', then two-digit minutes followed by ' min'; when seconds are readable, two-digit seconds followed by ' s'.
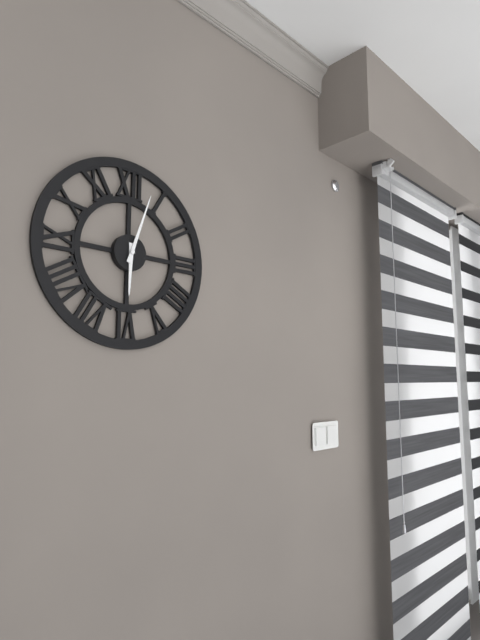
6 h 03 min
